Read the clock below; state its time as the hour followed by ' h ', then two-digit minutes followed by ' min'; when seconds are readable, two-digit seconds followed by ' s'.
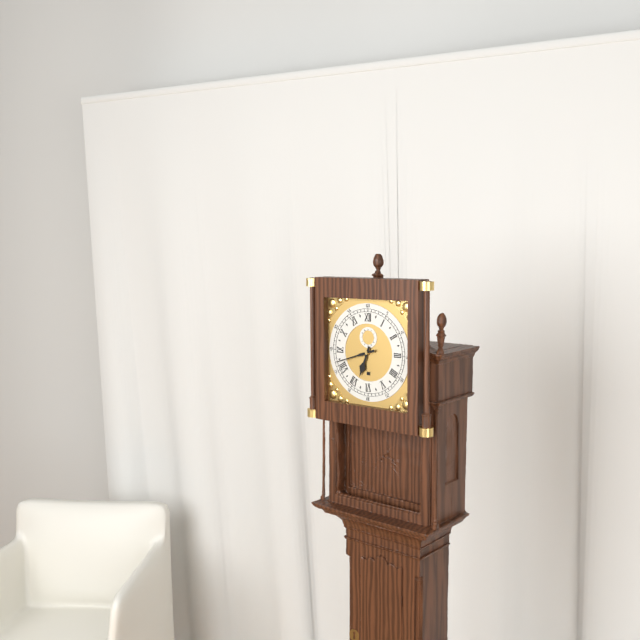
6 h 42 min
